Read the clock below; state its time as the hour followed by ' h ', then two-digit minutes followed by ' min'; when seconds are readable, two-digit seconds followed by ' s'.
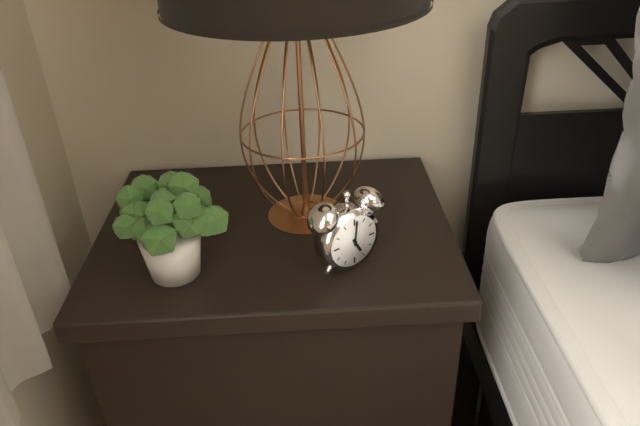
5 h 01 min
